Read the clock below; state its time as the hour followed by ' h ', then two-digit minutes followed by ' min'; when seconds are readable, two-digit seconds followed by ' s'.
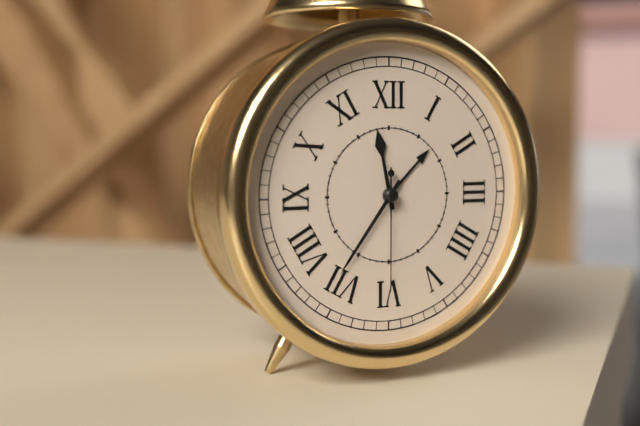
11 h 36 min 30 s
